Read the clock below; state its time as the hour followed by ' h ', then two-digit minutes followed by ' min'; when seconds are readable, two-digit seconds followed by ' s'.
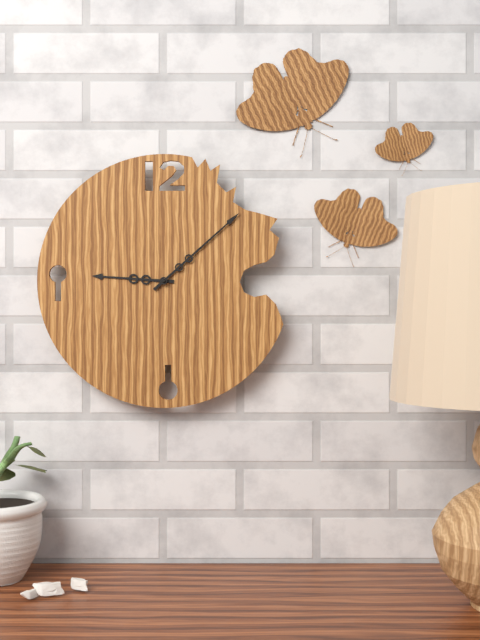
9 h 08 min
